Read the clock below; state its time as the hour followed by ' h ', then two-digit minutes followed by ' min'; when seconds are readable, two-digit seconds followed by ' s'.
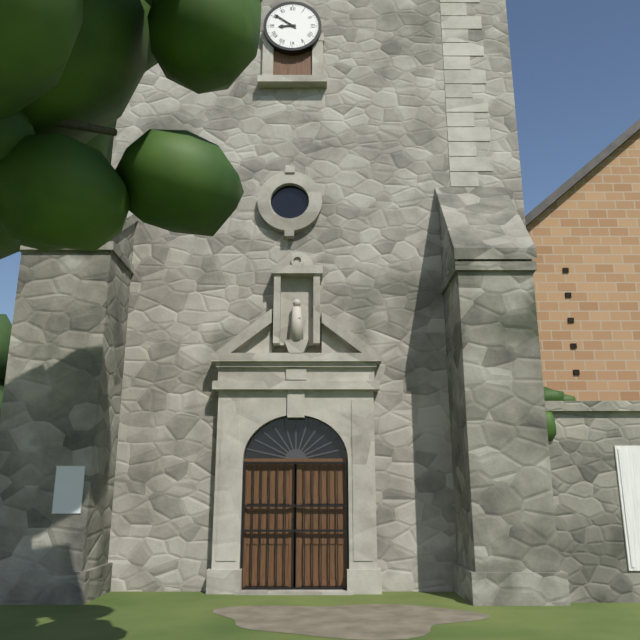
8 h 51 min
